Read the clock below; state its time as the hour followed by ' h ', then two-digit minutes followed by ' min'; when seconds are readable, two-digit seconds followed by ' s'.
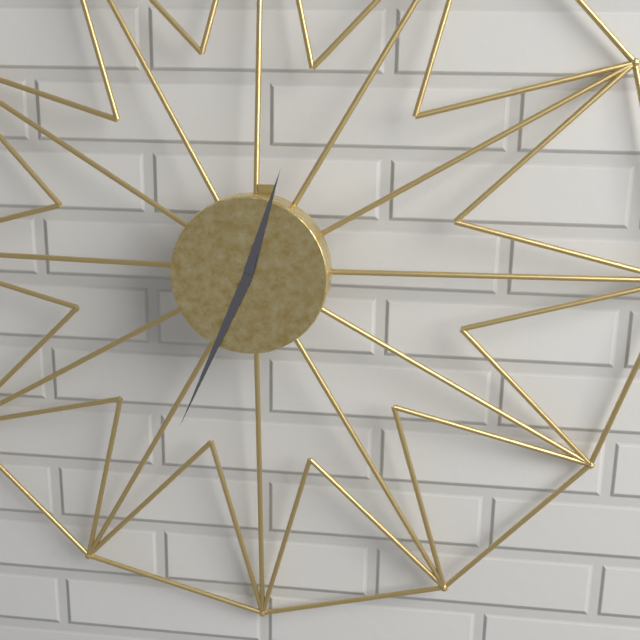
12 h 34 min
